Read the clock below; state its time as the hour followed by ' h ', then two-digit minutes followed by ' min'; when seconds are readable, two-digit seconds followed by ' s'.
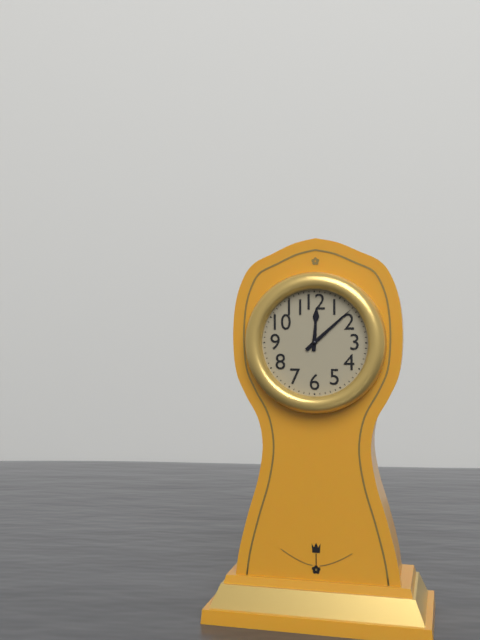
12 h 08 min
